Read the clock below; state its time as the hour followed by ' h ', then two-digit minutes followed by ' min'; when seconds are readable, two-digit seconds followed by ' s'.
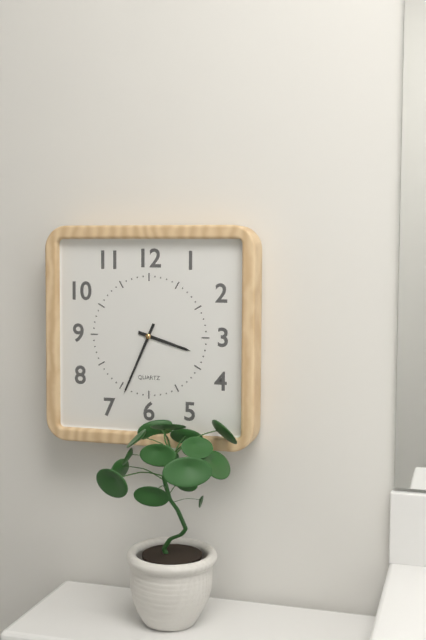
3 h 34 min
